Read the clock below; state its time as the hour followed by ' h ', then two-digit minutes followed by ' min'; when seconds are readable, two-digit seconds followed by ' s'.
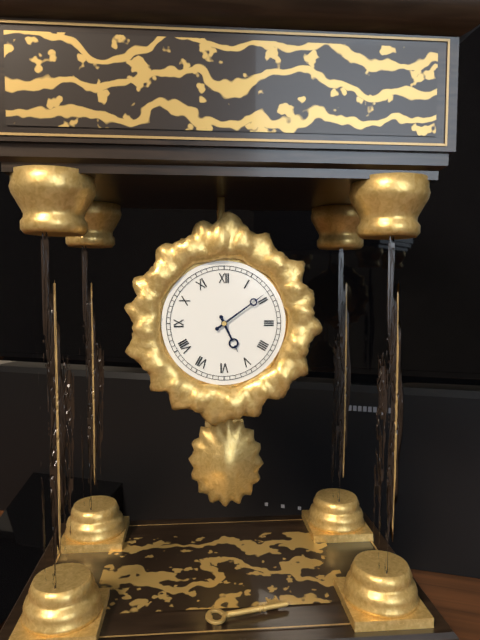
5 h 09 min
